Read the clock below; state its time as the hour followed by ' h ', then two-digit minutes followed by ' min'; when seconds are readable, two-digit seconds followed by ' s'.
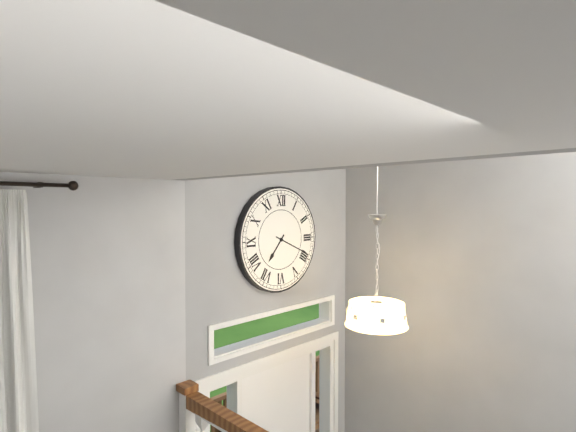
7 h 19 min
